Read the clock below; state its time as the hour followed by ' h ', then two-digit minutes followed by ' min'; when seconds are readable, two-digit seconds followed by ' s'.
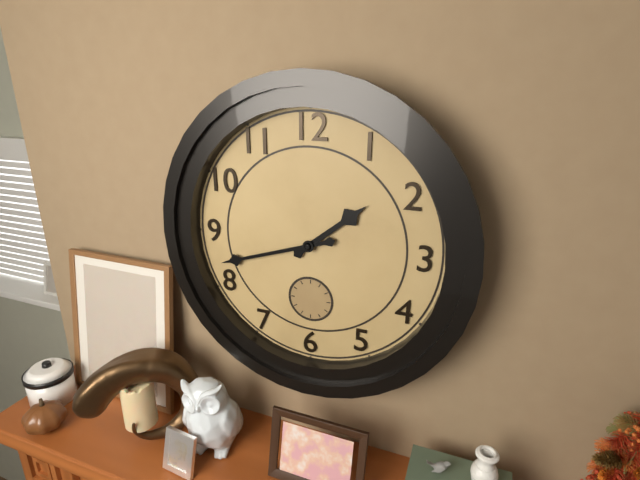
1 h 42 min
